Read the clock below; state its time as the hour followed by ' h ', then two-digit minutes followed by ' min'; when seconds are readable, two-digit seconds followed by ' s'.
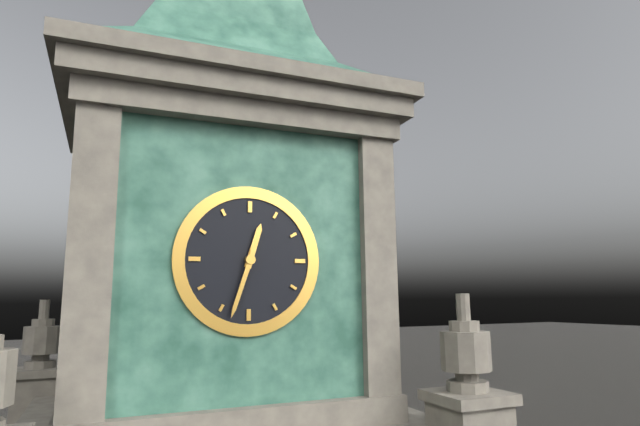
12 h 33 min
